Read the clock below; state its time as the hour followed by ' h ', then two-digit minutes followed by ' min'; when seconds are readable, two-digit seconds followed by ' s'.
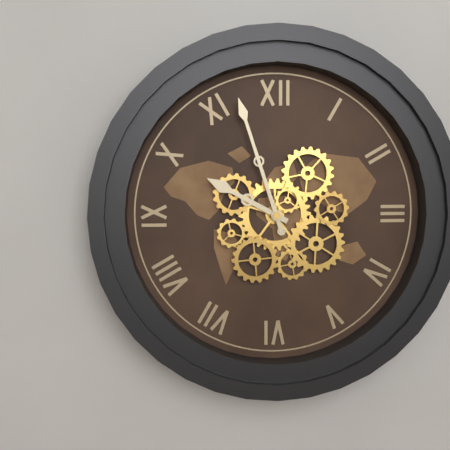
9 h 57 min
